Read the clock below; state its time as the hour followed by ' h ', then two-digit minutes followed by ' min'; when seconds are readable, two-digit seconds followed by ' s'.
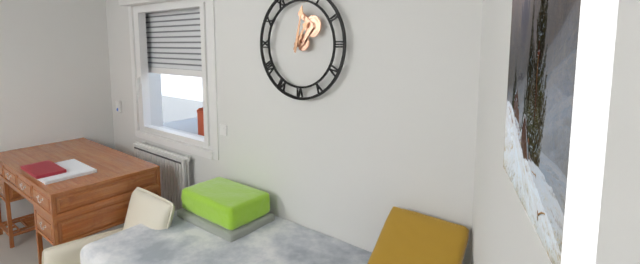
1 h 02 min
